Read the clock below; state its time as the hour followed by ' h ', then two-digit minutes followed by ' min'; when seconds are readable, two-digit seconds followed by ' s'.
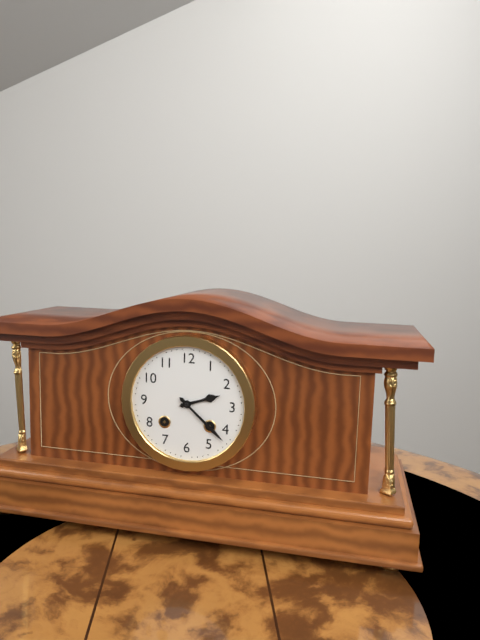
2 h 22 min
